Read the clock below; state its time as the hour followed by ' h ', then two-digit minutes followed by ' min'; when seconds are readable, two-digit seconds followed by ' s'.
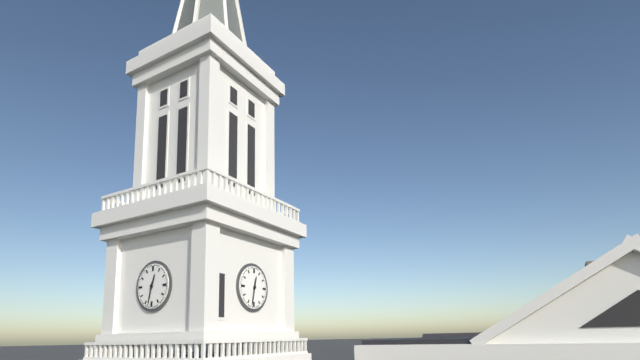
12 h 32 min
